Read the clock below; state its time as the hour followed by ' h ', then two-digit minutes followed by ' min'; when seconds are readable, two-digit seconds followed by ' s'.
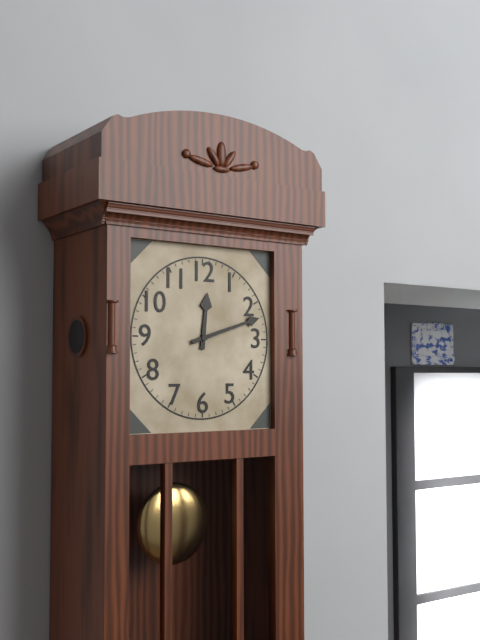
12 h 12 min
